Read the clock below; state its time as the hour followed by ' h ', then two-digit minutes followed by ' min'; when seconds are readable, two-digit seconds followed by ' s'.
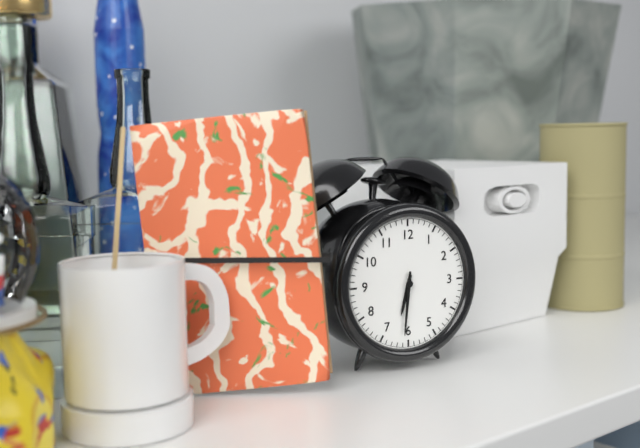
6 h 31 min
